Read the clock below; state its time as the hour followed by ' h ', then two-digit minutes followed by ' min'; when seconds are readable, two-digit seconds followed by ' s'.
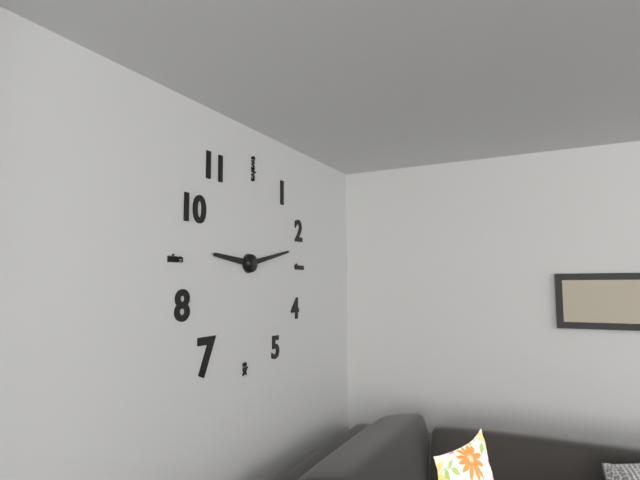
9 h 13 min
